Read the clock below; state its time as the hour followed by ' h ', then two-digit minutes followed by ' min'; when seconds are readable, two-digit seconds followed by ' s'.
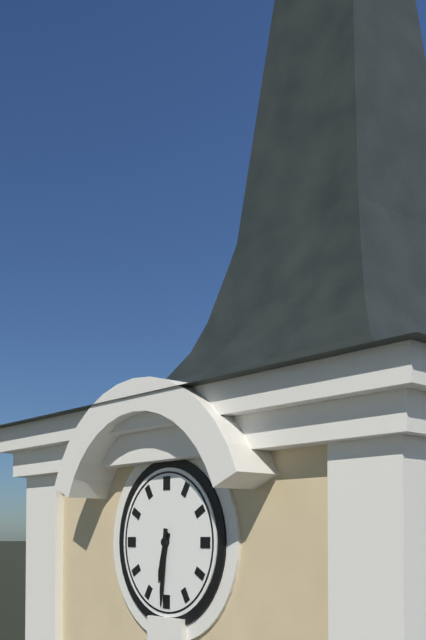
6 h 31 min
